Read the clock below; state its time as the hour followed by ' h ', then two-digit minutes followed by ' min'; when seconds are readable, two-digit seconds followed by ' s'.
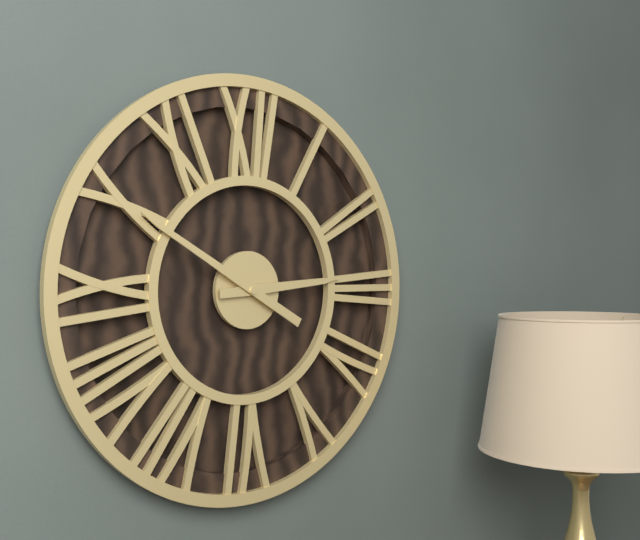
2 h 50 min
